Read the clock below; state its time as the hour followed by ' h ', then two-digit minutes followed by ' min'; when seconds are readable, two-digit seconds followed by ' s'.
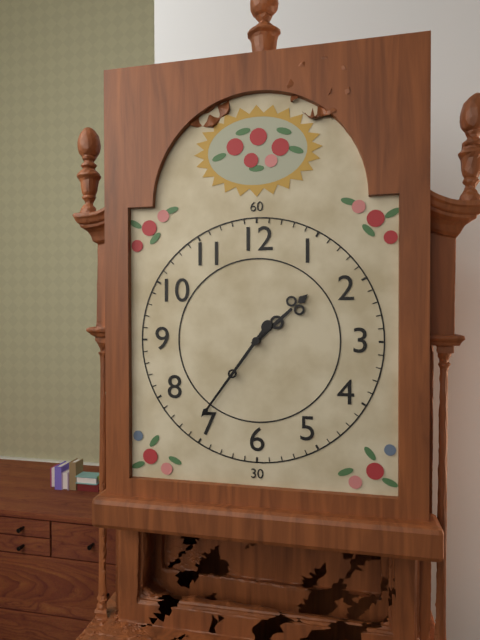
1 h 36 min
